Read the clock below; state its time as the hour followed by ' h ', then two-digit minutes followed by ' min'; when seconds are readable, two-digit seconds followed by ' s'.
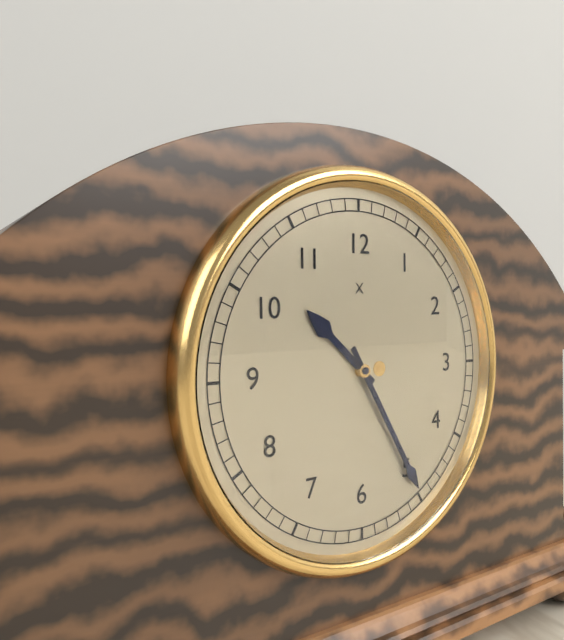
10 h 25 min
